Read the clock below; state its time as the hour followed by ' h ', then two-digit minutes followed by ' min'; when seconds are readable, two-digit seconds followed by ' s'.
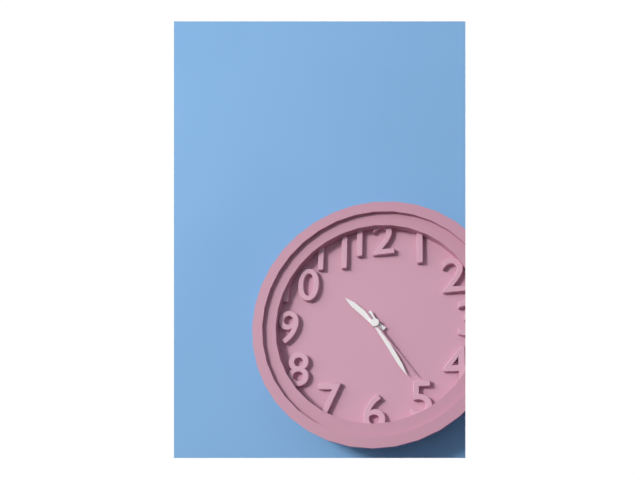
10 h 25 min 24 s
